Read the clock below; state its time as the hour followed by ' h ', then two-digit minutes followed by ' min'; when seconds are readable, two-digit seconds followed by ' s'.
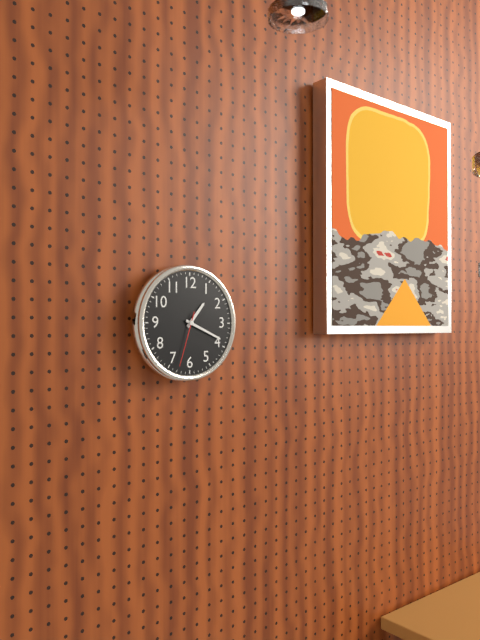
1 h 19 min 33 s
